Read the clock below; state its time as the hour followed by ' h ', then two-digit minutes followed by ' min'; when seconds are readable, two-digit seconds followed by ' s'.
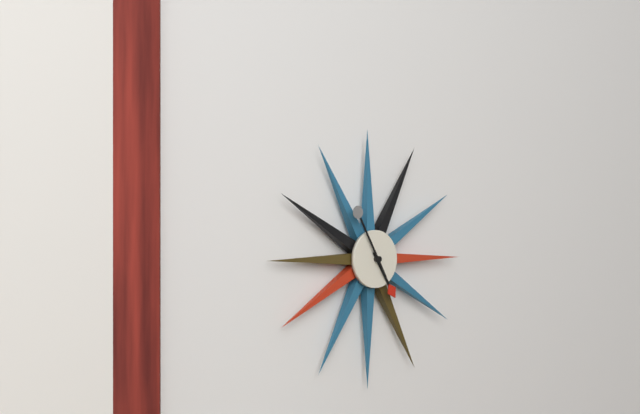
4 h 55 min
